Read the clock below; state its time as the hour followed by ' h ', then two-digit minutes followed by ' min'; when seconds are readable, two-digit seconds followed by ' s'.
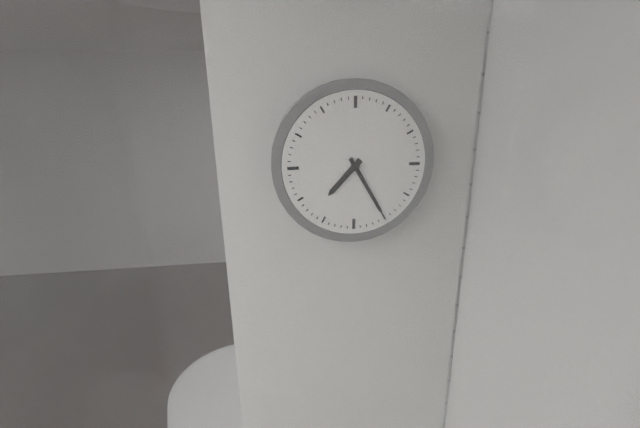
7 h 25 min
